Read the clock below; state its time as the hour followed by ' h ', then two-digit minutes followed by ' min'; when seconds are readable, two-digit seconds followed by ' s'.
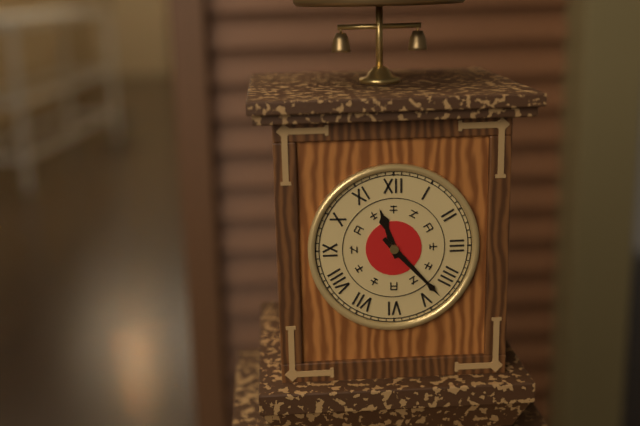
11 h 23 min
